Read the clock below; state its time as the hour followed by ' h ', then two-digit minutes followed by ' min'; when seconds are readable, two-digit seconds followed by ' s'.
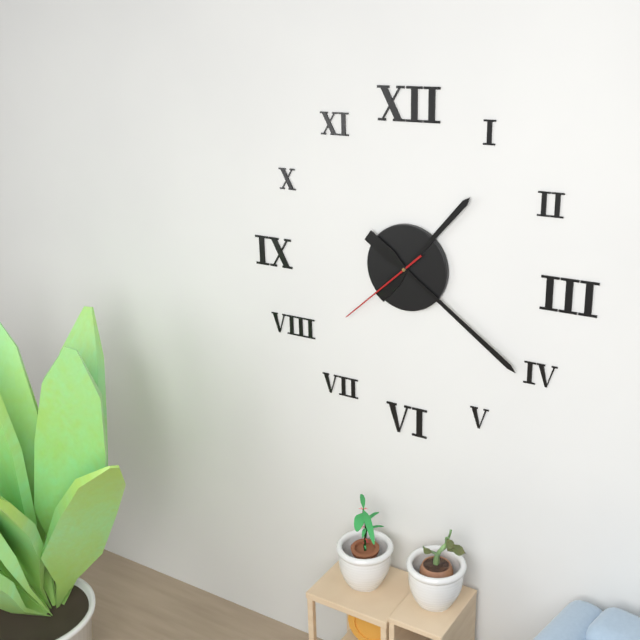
1 h 21 min 38 s
